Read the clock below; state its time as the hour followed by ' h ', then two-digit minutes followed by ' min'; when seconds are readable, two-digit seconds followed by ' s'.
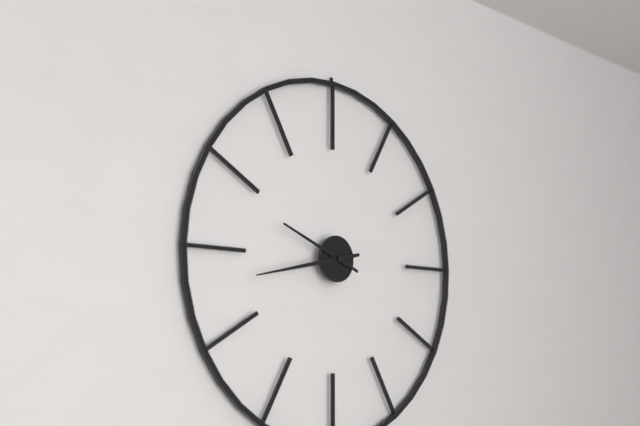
9 h 43 min
